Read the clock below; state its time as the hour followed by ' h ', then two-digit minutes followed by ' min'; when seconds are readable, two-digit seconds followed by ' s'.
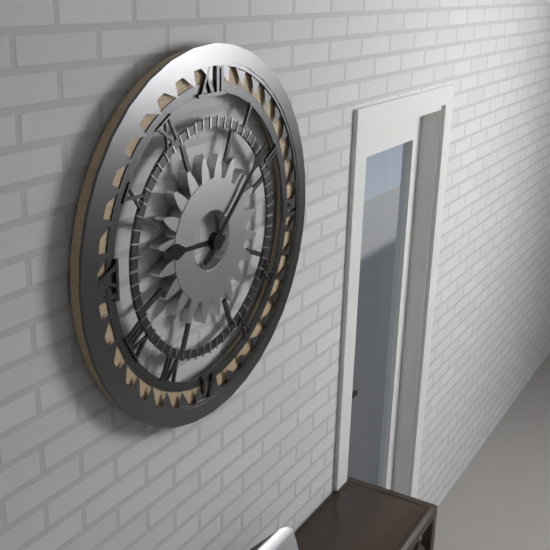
9 h 08 min
